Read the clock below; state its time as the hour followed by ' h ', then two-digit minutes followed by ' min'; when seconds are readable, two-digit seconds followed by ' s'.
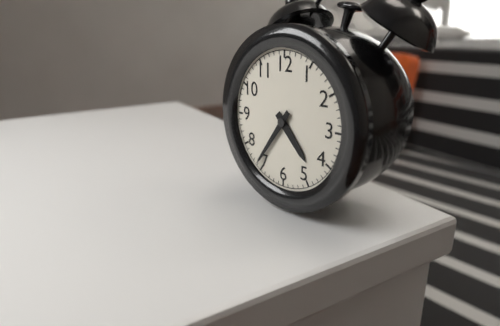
4 h 36 min
